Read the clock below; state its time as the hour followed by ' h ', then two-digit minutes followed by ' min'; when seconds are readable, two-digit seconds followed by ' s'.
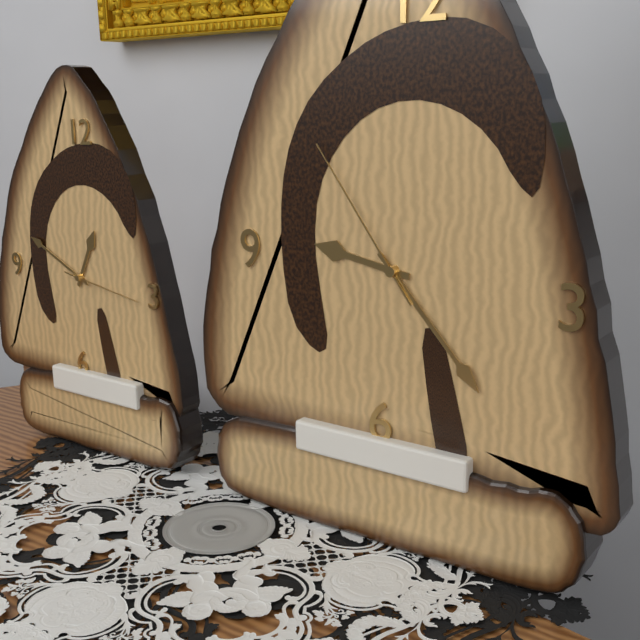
9 h 23 min 54 s
